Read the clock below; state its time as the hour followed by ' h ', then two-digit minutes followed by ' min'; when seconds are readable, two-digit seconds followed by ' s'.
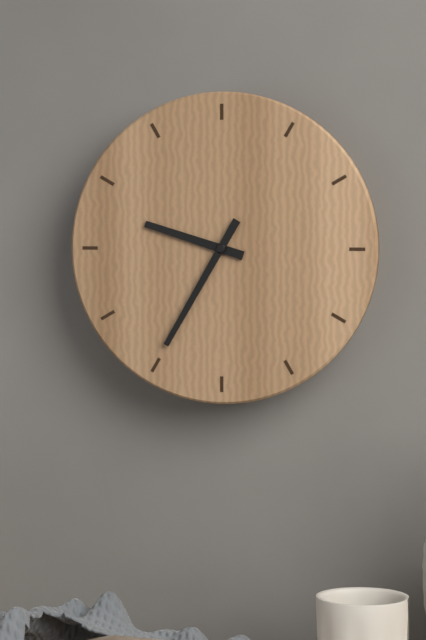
9 h 35 min
